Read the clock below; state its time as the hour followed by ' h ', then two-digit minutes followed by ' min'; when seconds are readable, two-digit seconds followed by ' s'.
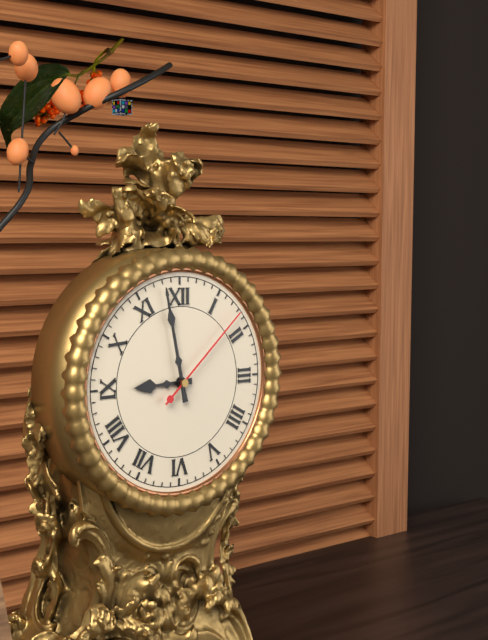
8 h 58 min 08 s
